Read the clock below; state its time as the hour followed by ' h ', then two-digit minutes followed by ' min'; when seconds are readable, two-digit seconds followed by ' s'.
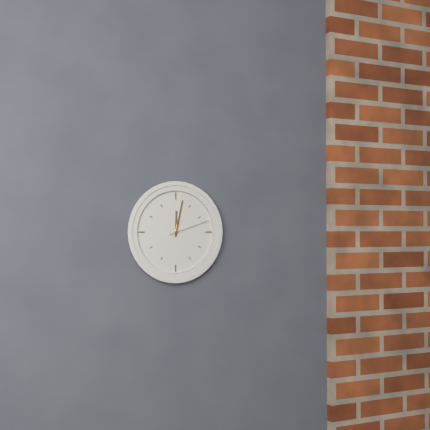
12 h 02 min
